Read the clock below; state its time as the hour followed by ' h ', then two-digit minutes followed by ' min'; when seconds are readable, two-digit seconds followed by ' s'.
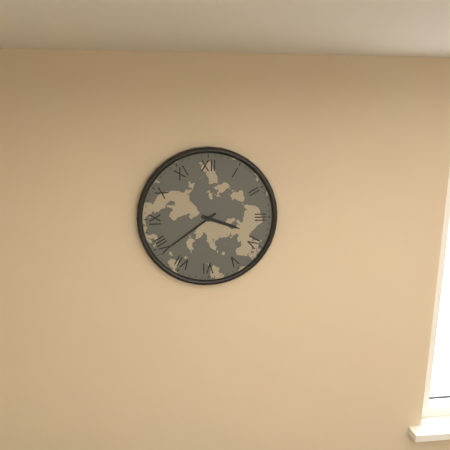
3 h 39 min
